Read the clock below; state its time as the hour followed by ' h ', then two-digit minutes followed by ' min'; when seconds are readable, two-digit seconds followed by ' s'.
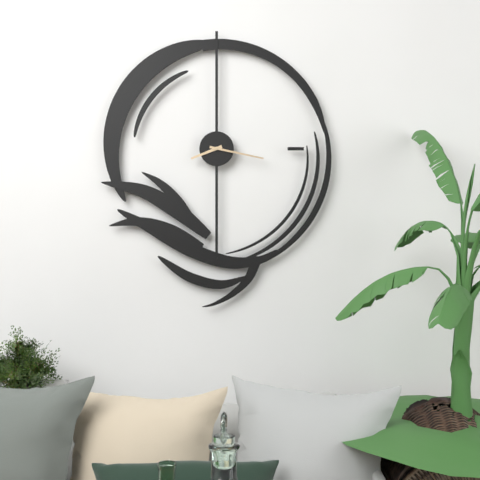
8 h 17 min
